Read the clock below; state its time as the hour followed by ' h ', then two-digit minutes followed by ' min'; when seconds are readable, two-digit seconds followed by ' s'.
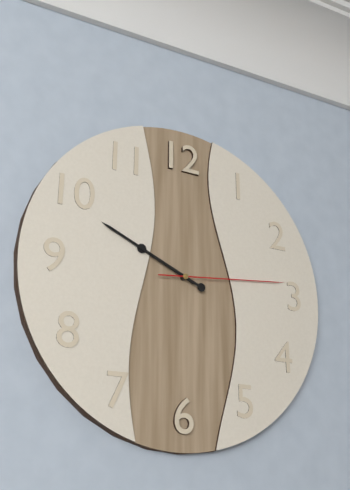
9 h 49 min 14 s
